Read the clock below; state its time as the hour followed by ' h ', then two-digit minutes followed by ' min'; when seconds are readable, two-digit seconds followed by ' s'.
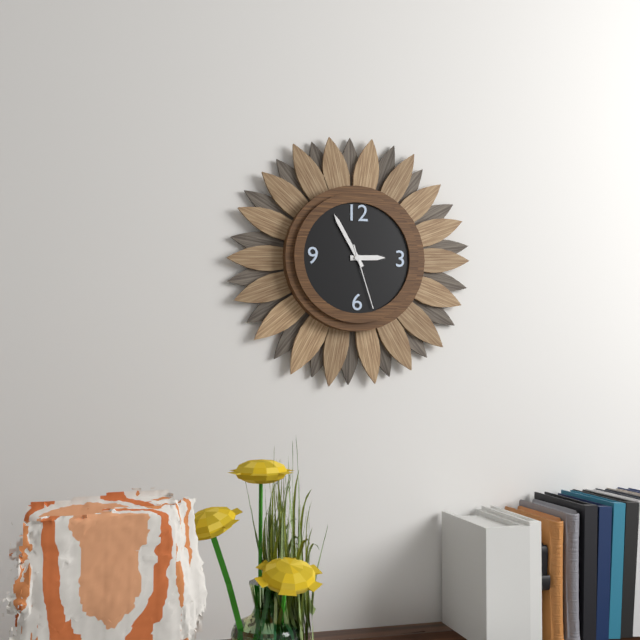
2 h 55 min 27 s
